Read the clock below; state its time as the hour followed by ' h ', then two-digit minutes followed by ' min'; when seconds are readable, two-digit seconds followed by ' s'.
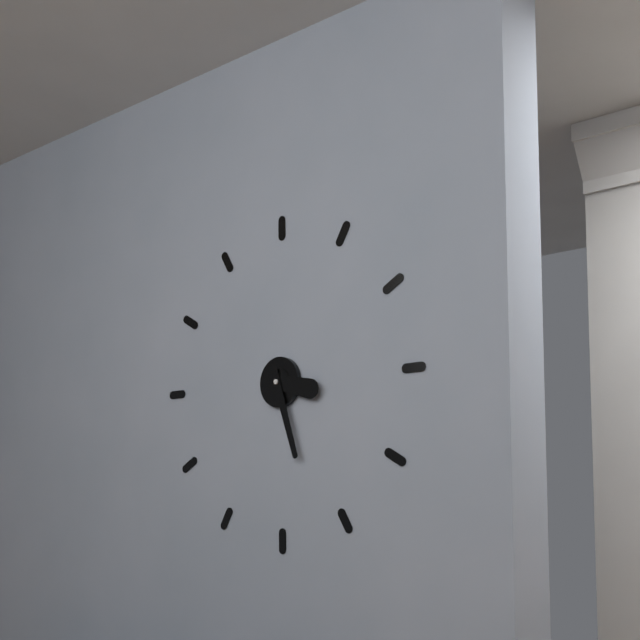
3 h 27 min
